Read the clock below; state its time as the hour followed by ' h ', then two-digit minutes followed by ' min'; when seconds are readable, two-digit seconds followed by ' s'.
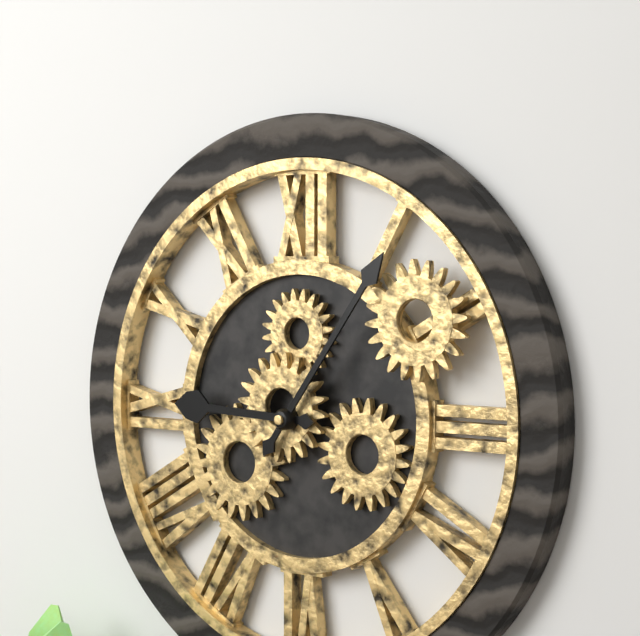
9 h 06 min
